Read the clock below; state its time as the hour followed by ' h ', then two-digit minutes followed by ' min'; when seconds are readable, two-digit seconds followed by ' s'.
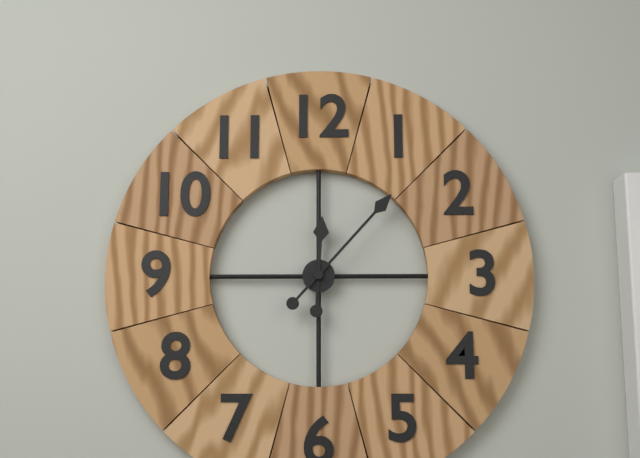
12 h 07 min
